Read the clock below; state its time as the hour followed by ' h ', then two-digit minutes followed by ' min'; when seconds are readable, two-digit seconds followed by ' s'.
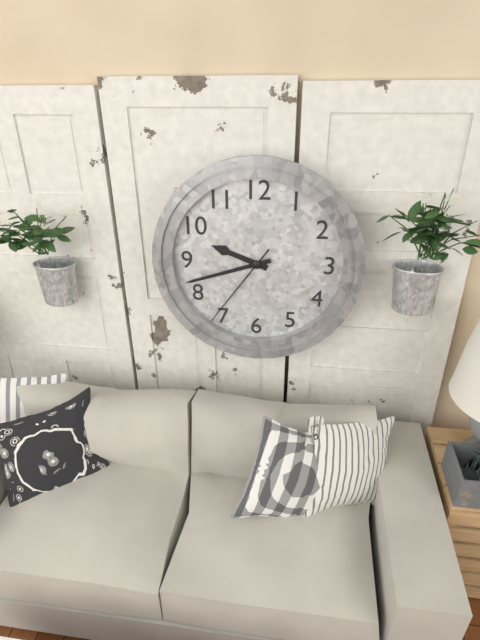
9 h 42 min 36 s
